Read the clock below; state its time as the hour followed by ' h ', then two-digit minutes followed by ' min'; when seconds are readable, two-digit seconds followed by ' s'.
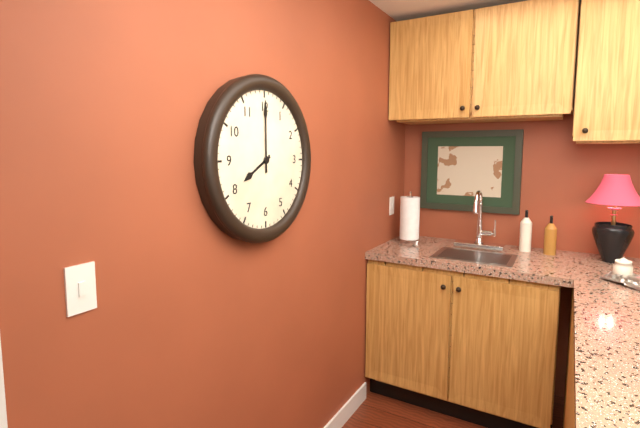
8 h 00 min
